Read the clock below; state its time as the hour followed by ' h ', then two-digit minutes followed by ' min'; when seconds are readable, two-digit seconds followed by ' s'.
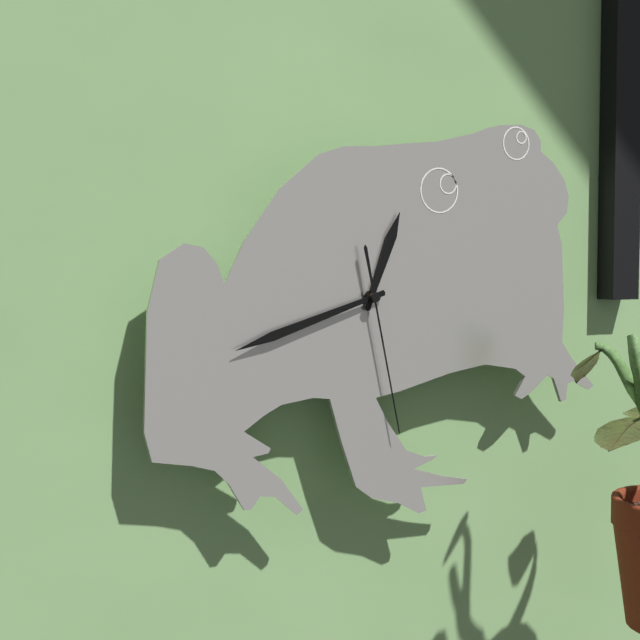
12 h 42 min 28 s
